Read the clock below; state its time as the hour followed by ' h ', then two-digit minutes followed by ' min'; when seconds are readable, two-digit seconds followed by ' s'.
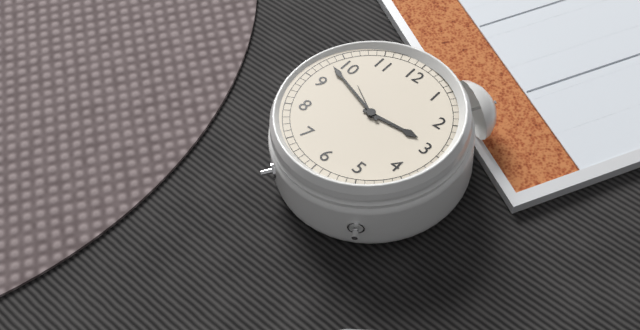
2 h 48 min
